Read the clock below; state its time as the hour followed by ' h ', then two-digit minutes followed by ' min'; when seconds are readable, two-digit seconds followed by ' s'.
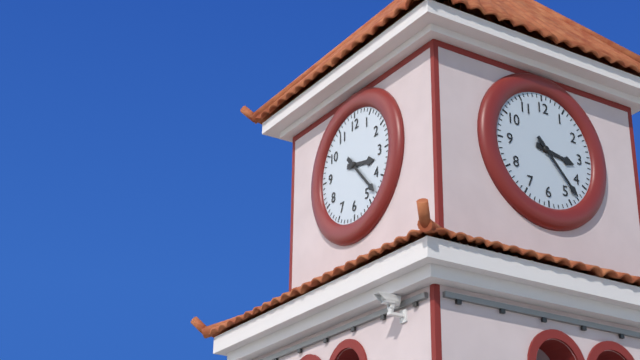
3 h 23 min
